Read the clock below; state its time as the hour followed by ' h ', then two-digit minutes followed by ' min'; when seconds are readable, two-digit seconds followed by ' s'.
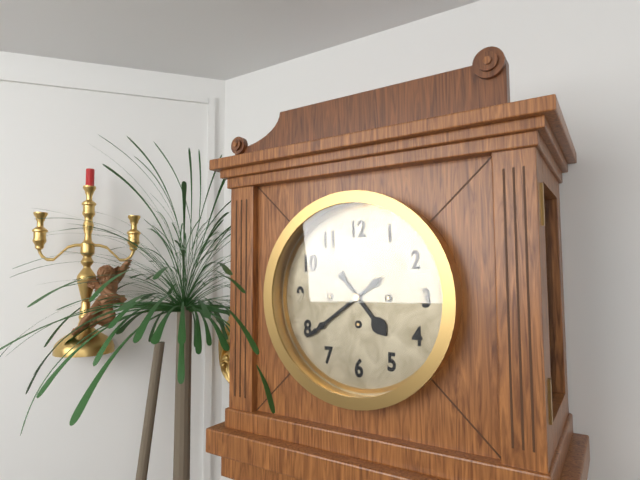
4 h 39 min
